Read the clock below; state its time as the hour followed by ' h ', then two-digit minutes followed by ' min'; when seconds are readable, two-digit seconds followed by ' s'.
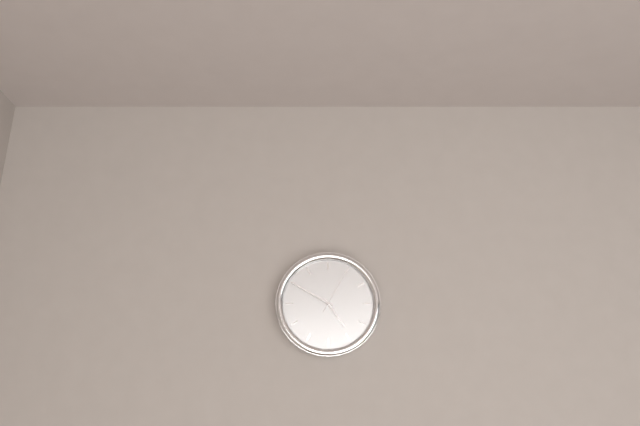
4 h 50 min 05 s
